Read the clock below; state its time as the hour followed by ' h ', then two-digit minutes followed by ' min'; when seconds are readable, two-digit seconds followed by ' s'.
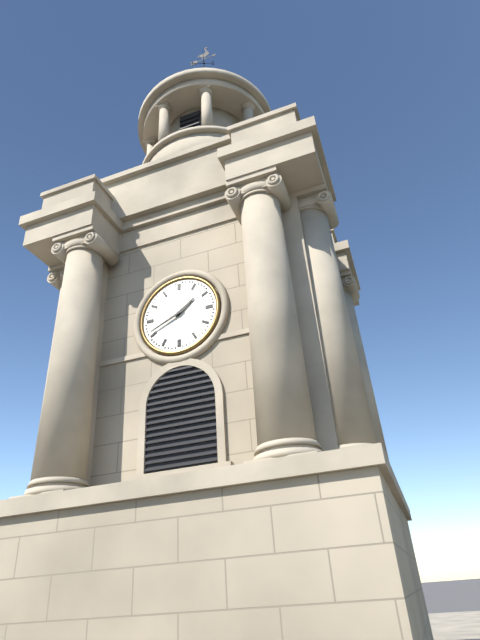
1 h 41 min
